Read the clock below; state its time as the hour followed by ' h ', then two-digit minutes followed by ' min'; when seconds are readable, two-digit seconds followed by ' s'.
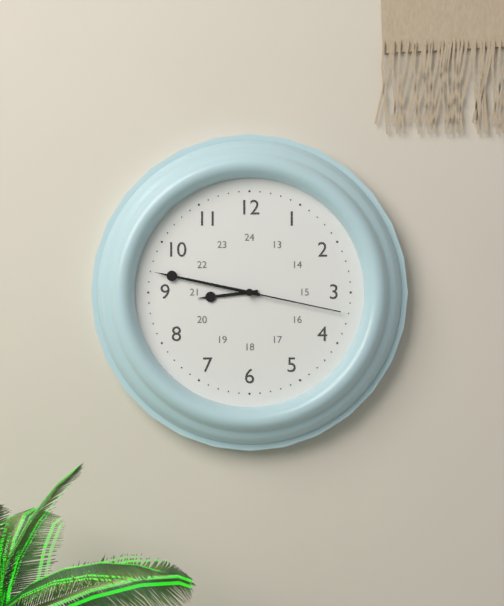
8 h 47 min 17 s
